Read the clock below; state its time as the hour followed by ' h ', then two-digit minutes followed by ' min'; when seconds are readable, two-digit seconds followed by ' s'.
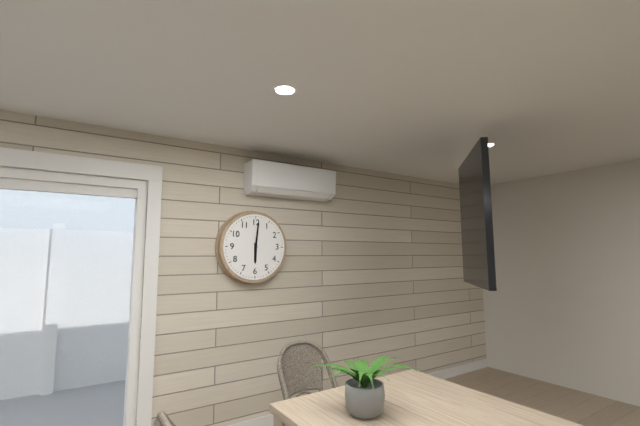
6 h 01 min
